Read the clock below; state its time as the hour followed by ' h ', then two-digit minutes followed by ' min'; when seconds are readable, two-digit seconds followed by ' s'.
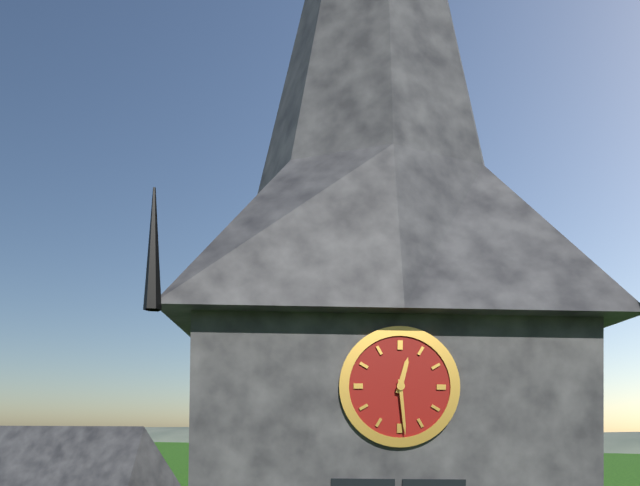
12 h 29 min
